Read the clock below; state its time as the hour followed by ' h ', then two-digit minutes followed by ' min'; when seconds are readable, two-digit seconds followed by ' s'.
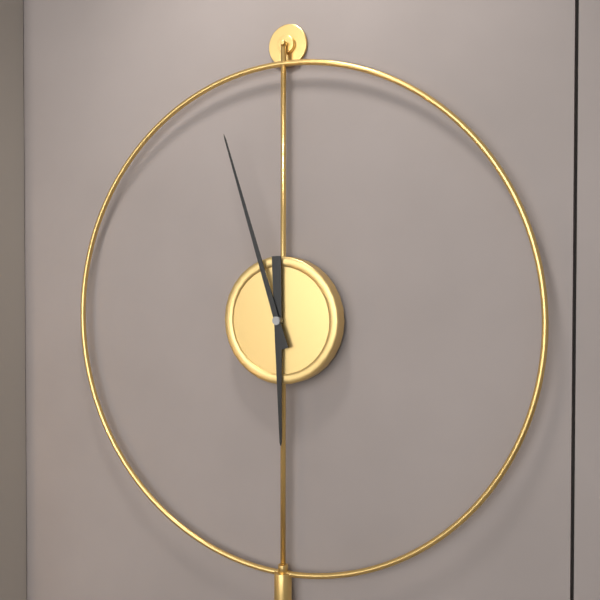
5 h 57 min
